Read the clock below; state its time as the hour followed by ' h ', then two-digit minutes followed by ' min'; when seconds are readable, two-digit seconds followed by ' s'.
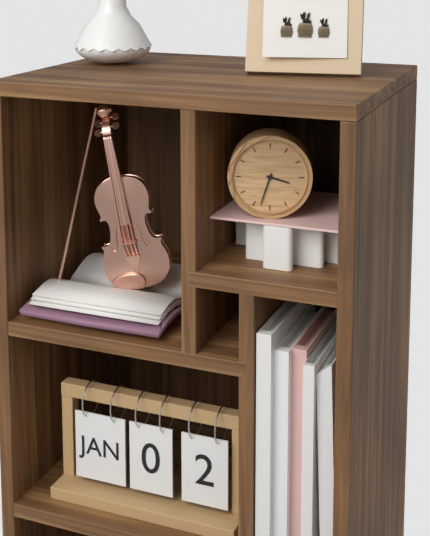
3 h 33 min
